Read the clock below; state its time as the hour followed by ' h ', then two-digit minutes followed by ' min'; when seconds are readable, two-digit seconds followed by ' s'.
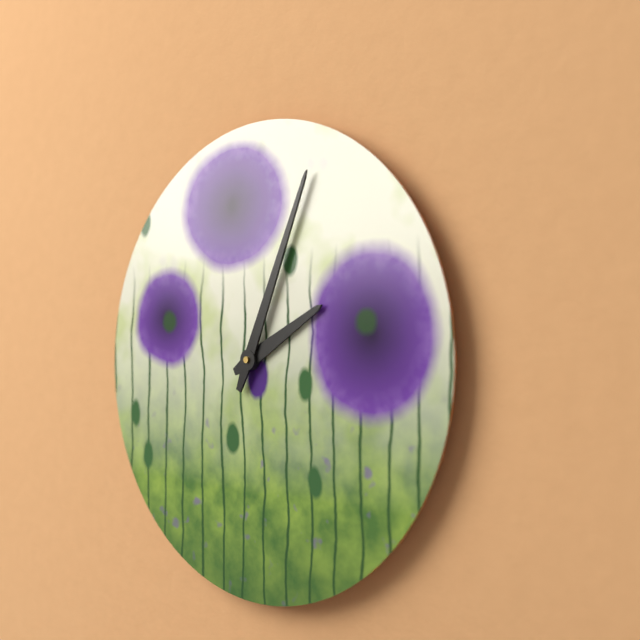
2 h 04 min
